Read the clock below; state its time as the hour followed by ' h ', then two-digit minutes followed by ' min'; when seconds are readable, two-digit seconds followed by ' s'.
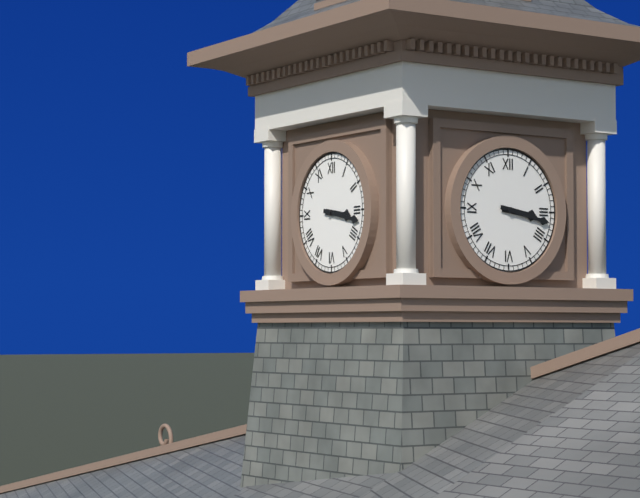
3 h 17 min
